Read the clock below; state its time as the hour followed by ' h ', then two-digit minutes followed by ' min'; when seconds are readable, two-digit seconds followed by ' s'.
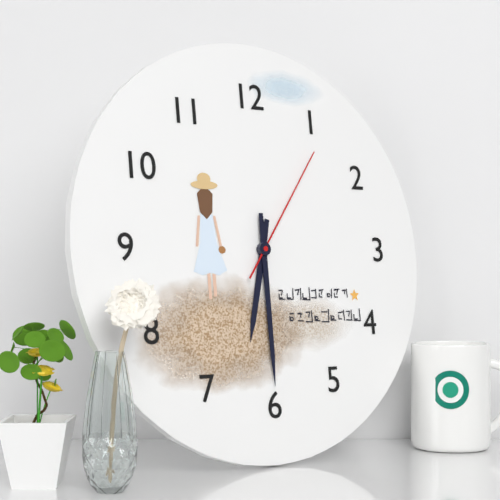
6 h 30 min 06 s
